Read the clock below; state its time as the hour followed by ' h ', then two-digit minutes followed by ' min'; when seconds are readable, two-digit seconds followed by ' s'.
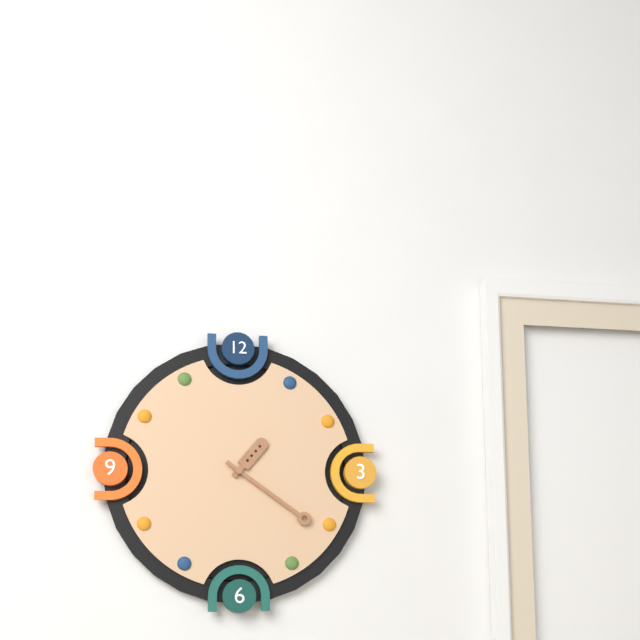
1 h 21 min
